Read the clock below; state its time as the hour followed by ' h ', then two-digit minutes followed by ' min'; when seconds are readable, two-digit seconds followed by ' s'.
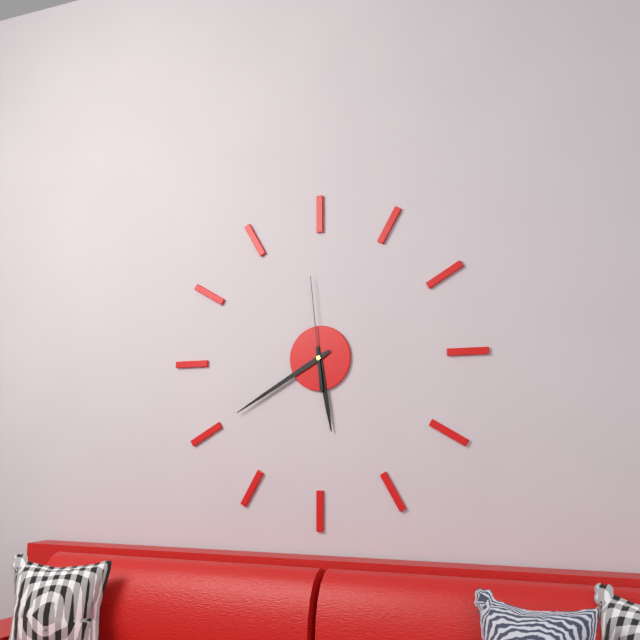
5 h 40 min 59 s
